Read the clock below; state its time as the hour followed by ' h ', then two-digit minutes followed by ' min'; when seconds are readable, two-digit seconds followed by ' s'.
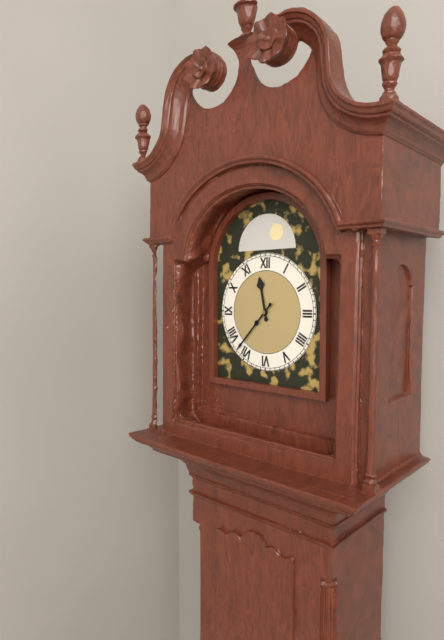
11 h 37 min
